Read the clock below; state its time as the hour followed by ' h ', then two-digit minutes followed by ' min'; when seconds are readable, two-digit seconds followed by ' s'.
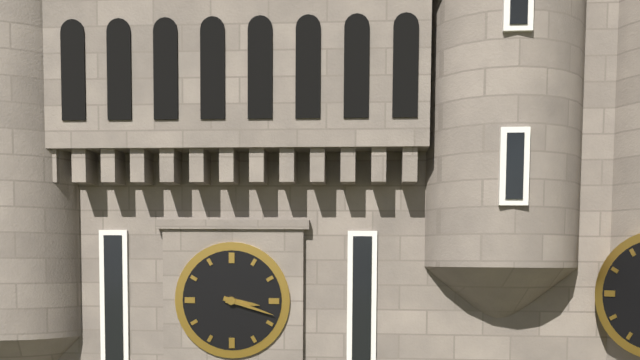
3 h 18 min
